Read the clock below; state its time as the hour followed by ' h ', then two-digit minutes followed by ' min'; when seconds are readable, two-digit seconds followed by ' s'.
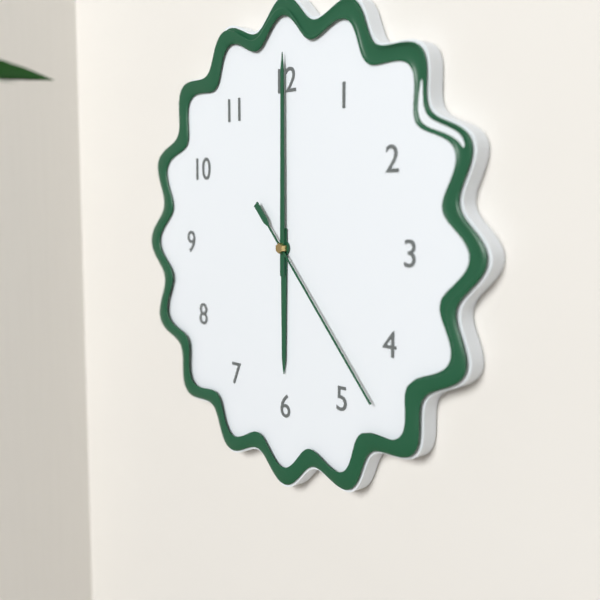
6 h 00 min 23 s
